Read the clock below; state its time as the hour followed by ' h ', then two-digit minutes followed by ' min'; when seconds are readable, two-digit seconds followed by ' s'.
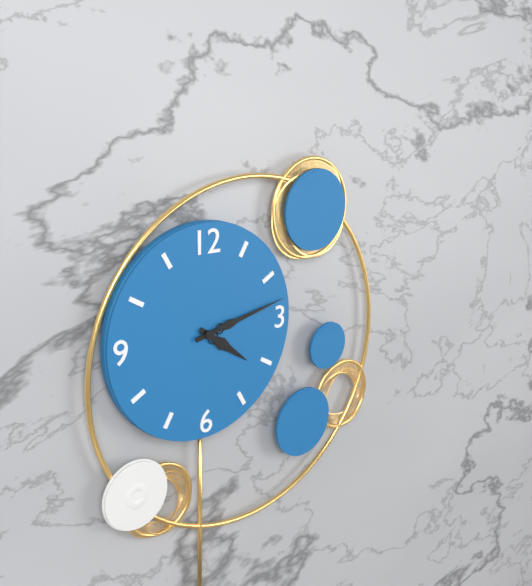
4 h 13 min
